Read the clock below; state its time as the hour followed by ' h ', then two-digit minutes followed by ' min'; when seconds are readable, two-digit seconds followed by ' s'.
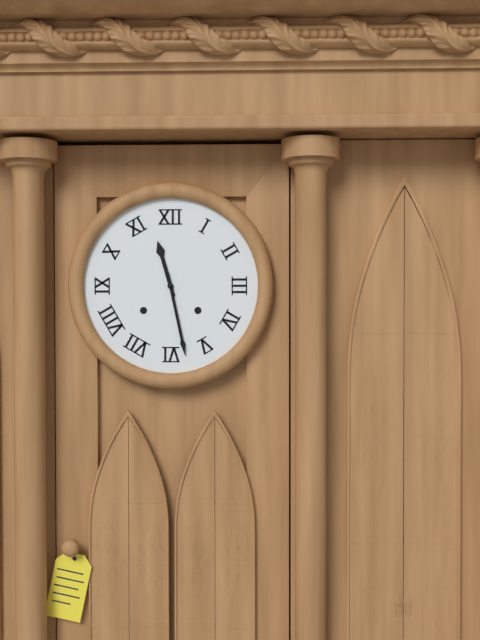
11 h 28 min
